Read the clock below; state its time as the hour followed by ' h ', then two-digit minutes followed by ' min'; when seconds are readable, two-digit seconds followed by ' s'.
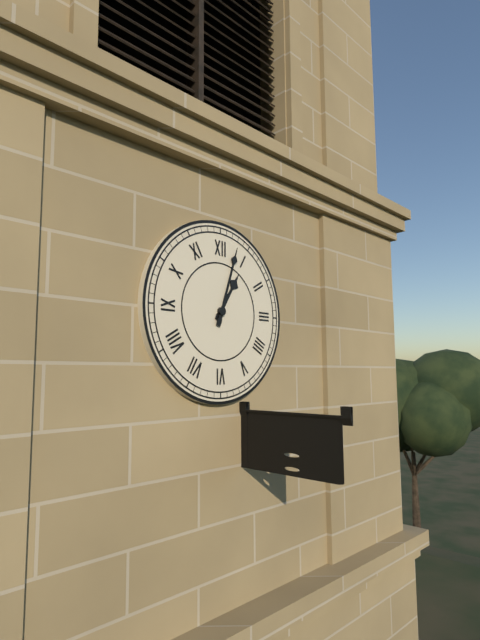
1 h 03 min
